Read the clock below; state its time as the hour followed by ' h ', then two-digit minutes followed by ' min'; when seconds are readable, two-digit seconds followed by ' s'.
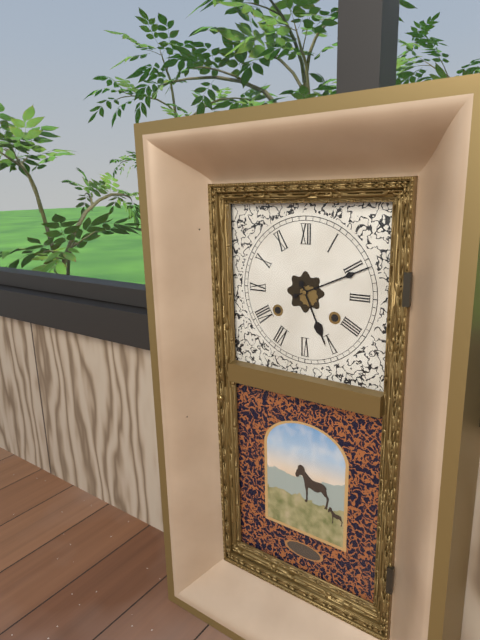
5 h 11 min
